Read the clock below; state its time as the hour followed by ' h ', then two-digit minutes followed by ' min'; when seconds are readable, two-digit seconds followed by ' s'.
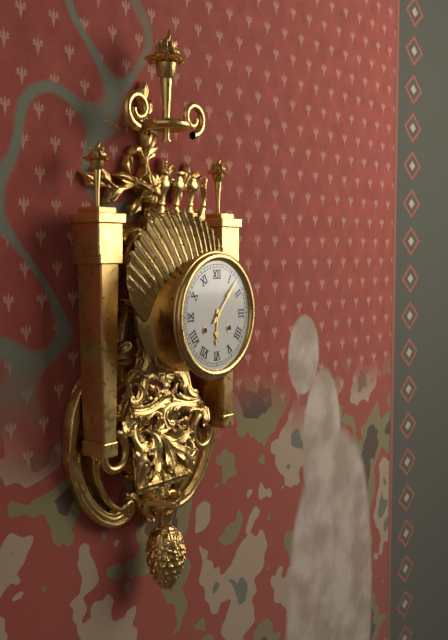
6 h 07 min
